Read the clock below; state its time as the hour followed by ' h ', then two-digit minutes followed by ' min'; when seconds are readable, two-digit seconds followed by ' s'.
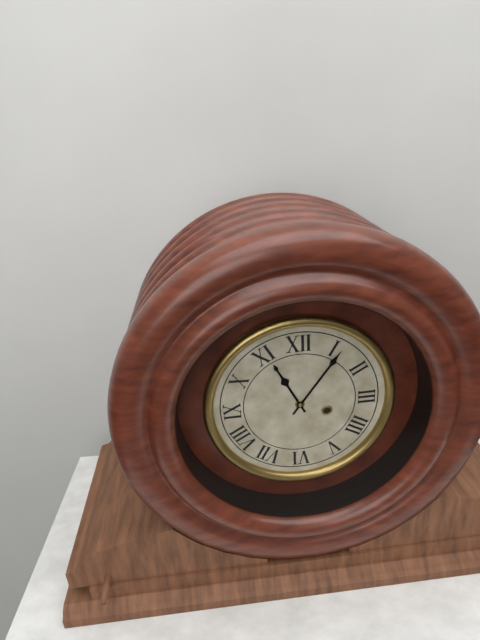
11 h 06 min
